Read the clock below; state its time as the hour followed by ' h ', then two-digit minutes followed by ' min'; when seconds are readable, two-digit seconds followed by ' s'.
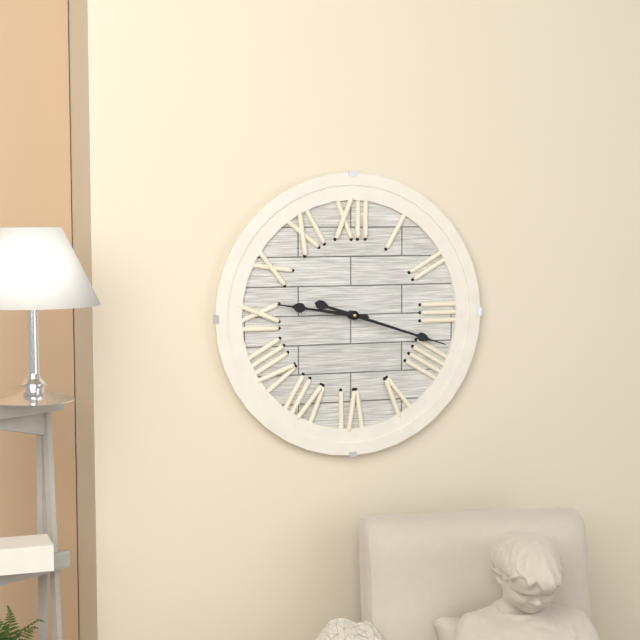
9 h 18 min
